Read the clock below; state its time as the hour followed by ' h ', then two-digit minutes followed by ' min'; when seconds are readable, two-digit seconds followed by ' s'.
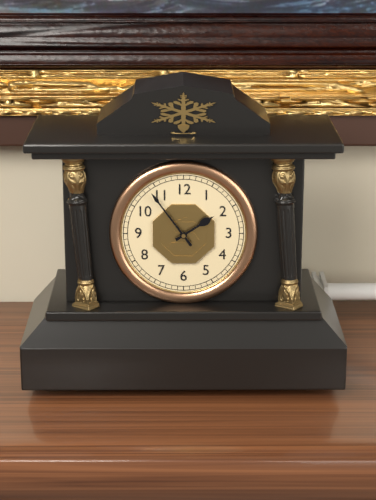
1 h 54 min
